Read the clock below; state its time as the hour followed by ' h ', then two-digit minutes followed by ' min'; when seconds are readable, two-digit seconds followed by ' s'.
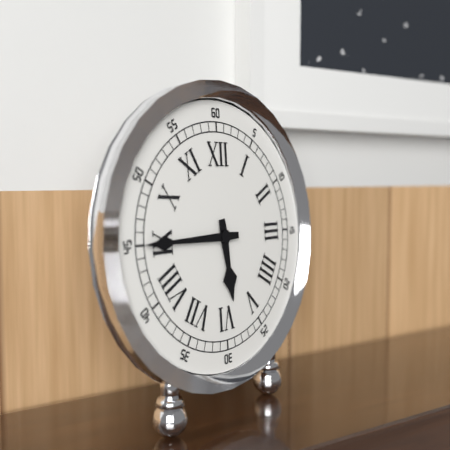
5 h 45 min
